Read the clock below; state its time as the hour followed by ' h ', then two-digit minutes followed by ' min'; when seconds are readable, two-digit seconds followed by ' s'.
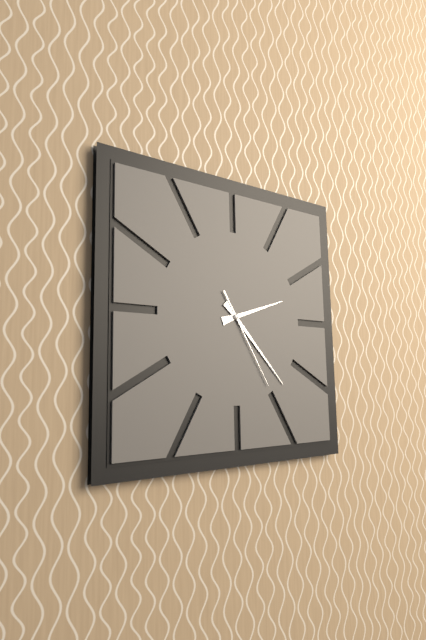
2 h 23 min 25 s
